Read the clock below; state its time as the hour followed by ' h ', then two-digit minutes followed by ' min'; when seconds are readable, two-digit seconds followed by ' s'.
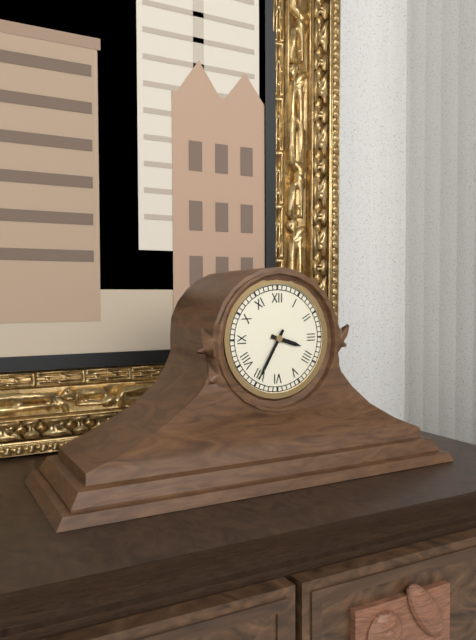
3 h 35 min
